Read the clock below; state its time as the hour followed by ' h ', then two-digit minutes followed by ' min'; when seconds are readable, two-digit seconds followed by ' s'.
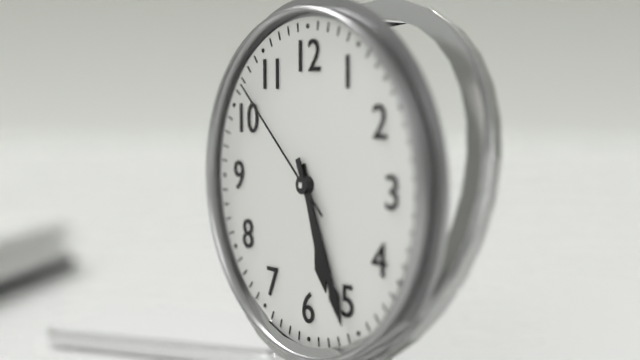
5 h 26 min 52 s
